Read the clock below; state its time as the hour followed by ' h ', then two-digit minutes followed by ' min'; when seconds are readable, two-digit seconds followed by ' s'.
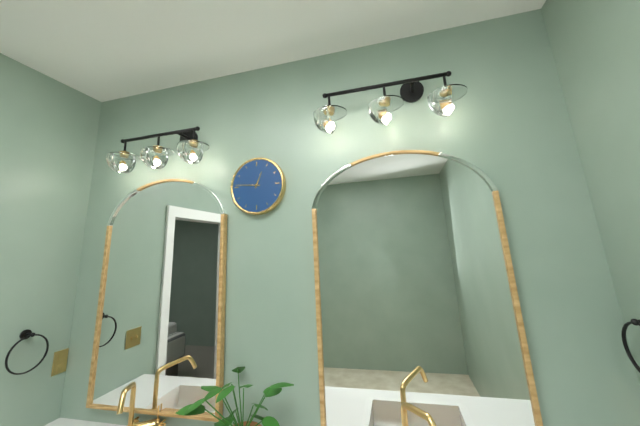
12 h 46 min
